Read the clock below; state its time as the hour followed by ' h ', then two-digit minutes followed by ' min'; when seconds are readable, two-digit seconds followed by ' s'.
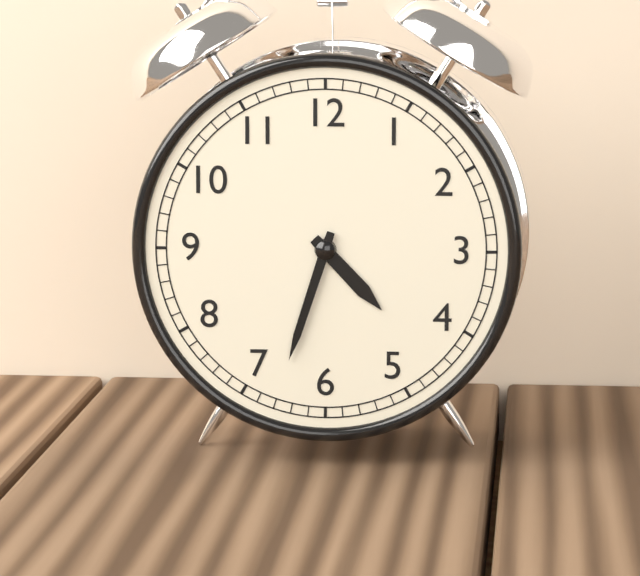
4 h 33 min
